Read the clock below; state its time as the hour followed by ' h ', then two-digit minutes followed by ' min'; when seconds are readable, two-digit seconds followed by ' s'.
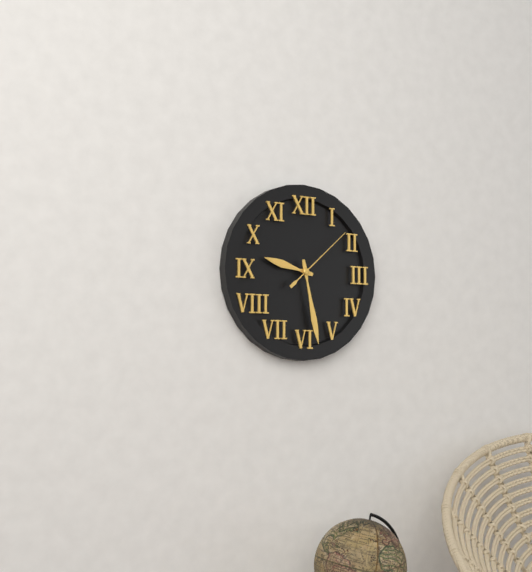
9 h 28 min 08 s
